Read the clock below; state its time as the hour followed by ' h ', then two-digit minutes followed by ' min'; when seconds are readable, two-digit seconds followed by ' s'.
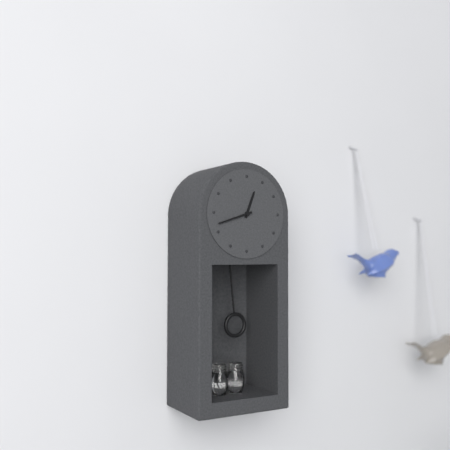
12 h 42 min
